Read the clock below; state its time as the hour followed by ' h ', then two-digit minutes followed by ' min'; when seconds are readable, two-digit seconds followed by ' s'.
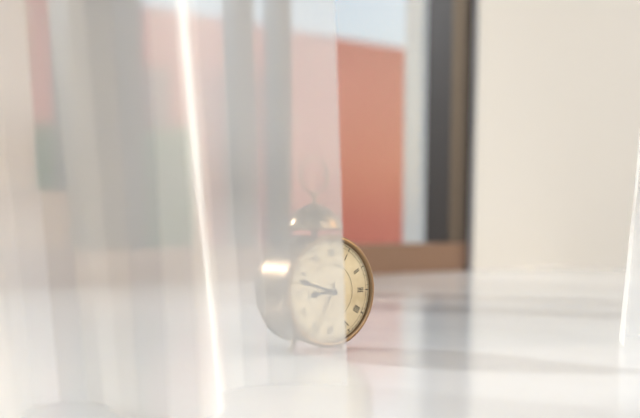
8 h 48 min 34 s
